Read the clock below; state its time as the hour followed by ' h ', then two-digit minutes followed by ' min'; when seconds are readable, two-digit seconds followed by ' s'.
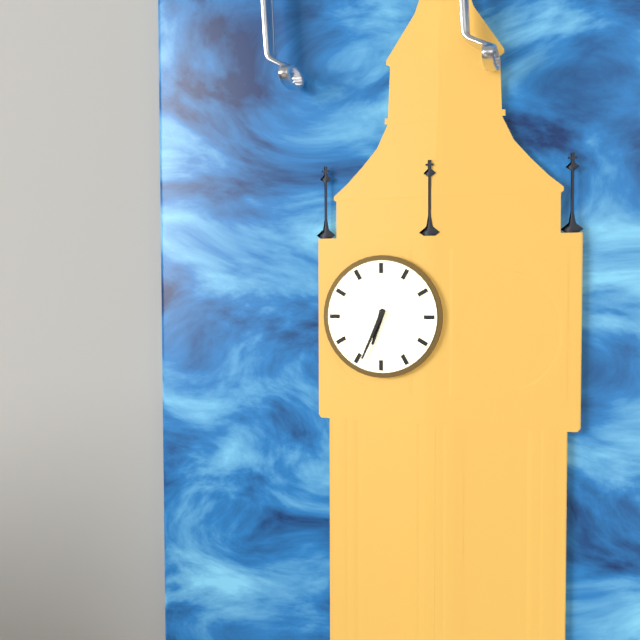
6 h 34 min
